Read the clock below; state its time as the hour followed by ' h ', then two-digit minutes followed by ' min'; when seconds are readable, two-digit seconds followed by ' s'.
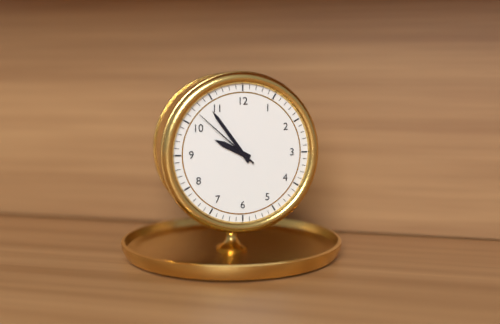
9 h 54 min 52 s
